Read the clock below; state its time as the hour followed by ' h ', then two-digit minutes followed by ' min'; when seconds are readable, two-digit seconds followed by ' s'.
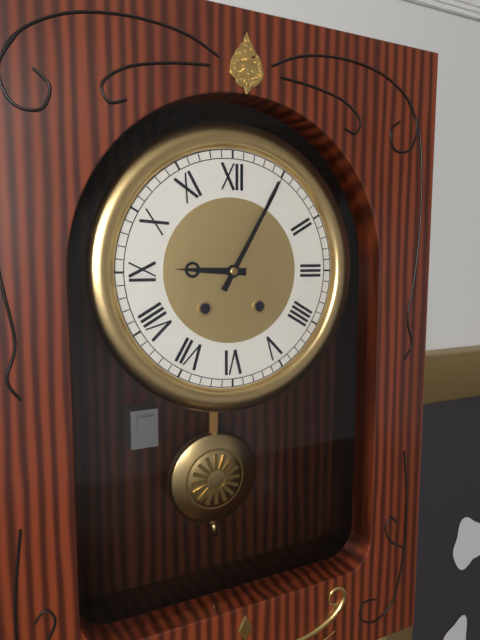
9 h 05 min
